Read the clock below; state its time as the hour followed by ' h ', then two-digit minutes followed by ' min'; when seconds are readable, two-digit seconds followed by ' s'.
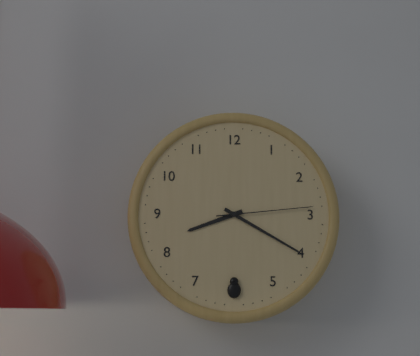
8 h 20 min 14 s
